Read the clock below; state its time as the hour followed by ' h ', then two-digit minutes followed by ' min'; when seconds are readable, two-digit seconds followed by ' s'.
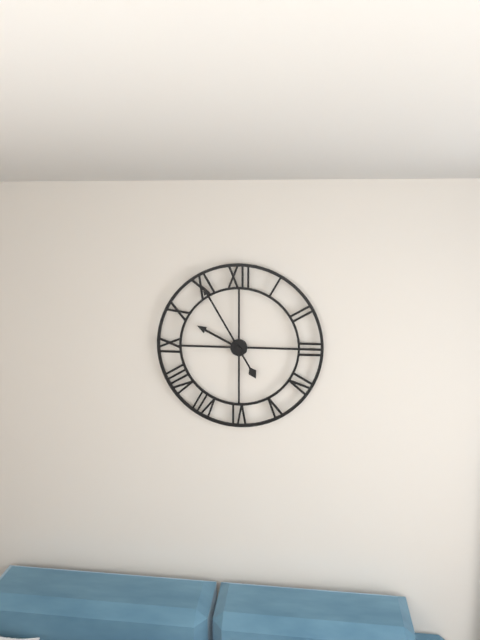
9 h 55 min
